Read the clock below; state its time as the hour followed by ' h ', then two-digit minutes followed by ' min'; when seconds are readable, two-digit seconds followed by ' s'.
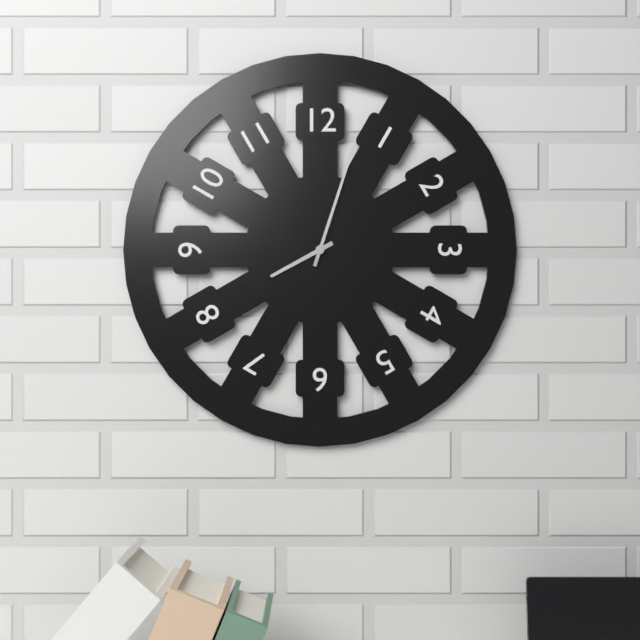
8 h 03 min
